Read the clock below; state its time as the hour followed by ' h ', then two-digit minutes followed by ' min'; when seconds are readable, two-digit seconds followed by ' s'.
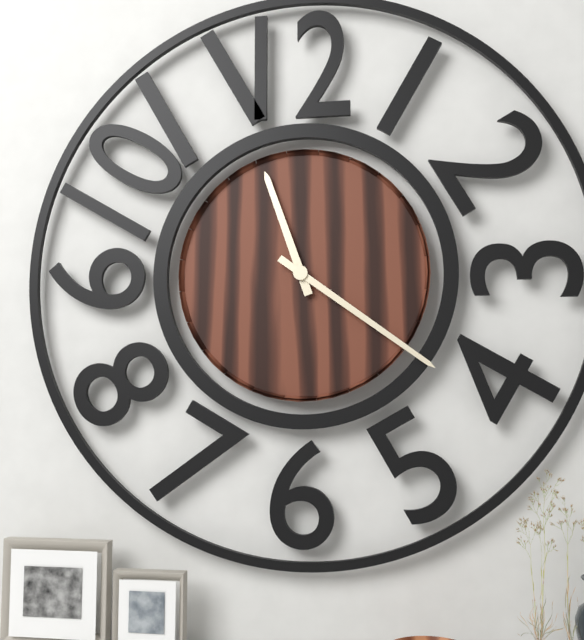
11 h 21 min
